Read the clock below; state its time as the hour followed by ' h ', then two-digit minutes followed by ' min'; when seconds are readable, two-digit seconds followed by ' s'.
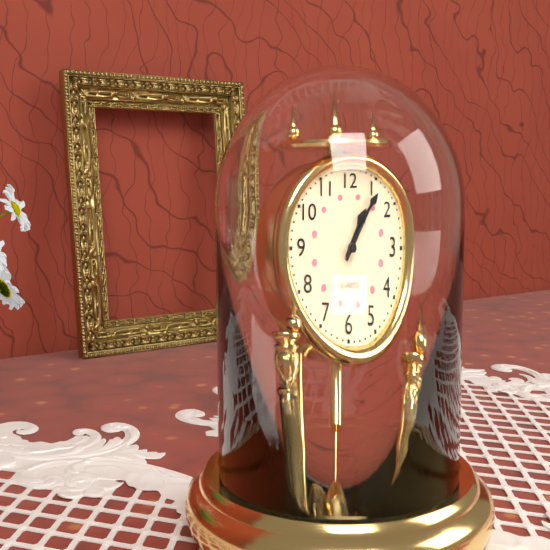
1 h 06 min
